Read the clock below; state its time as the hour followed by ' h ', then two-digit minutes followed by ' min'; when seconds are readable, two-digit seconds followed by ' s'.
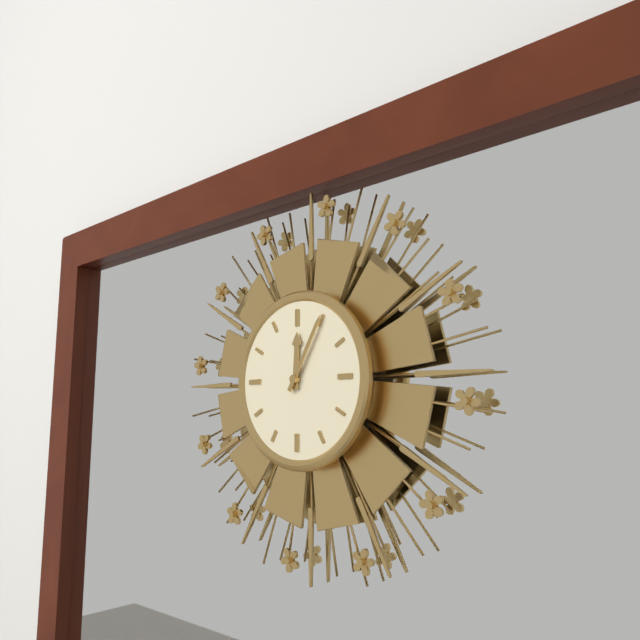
12 h 05 min
